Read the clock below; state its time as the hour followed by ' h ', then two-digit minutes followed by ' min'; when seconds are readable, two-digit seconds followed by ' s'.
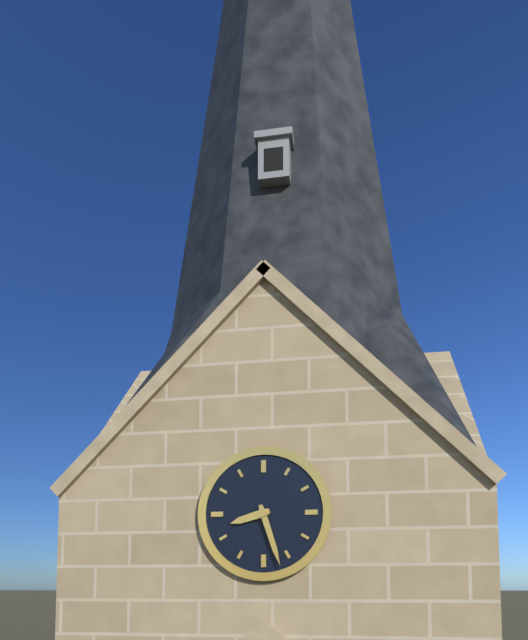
8 h 27 min
